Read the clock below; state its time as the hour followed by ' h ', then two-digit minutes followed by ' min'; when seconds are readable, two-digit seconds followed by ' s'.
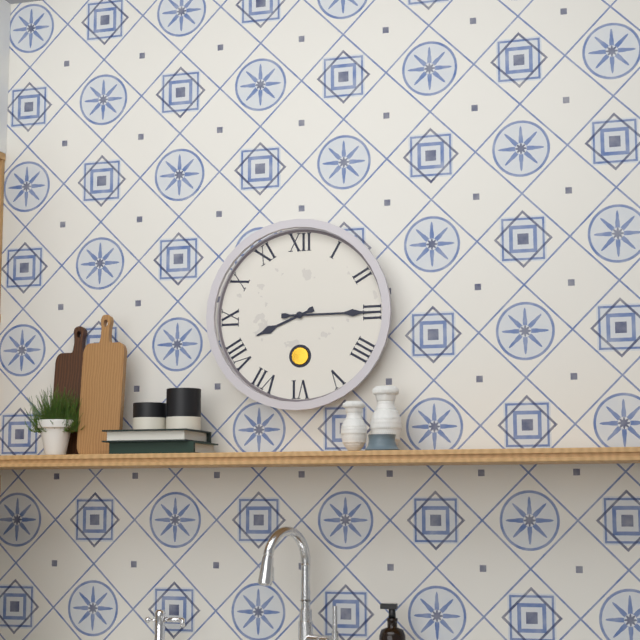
8 h 15 min
